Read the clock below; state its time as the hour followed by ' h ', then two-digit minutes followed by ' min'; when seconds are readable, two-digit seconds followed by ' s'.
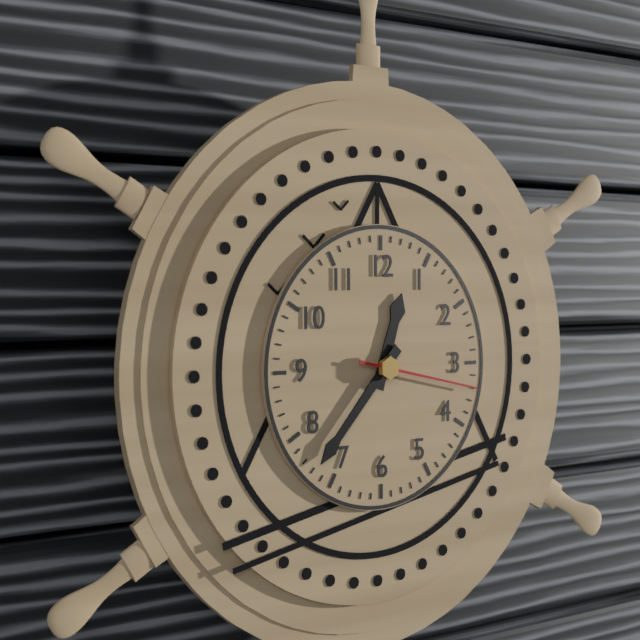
12 h 37 min 17 s
